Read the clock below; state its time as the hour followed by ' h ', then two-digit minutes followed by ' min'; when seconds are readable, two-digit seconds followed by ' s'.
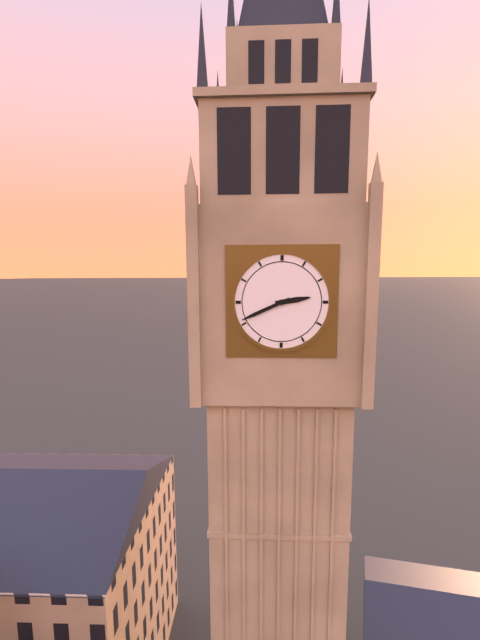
2 h 41 min
